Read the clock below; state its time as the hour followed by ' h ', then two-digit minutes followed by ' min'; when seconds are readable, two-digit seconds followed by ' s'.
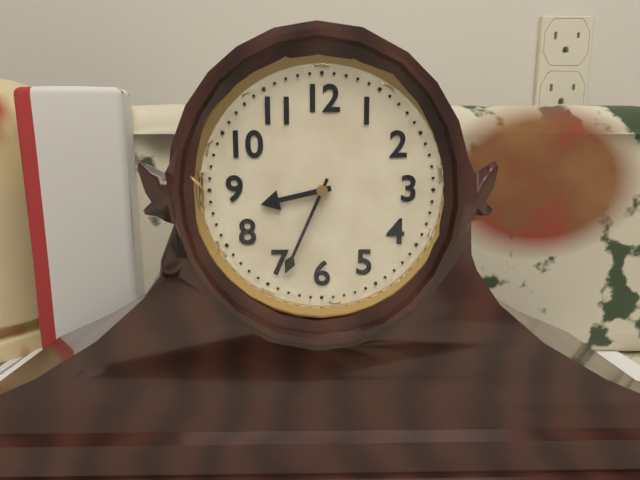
8 h 34 min
